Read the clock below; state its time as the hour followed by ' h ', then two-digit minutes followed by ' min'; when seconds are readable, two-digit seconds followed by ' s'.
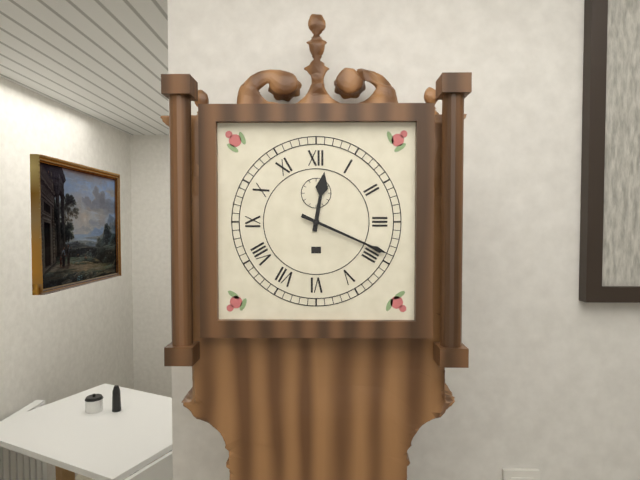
12 h 19 min
